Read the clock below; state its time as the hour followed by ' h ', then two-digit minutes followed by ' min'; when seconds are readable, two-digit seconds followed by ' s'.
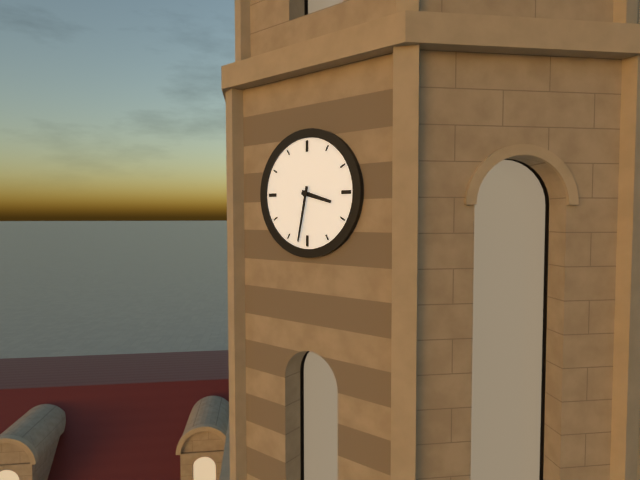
3 h 32 min
